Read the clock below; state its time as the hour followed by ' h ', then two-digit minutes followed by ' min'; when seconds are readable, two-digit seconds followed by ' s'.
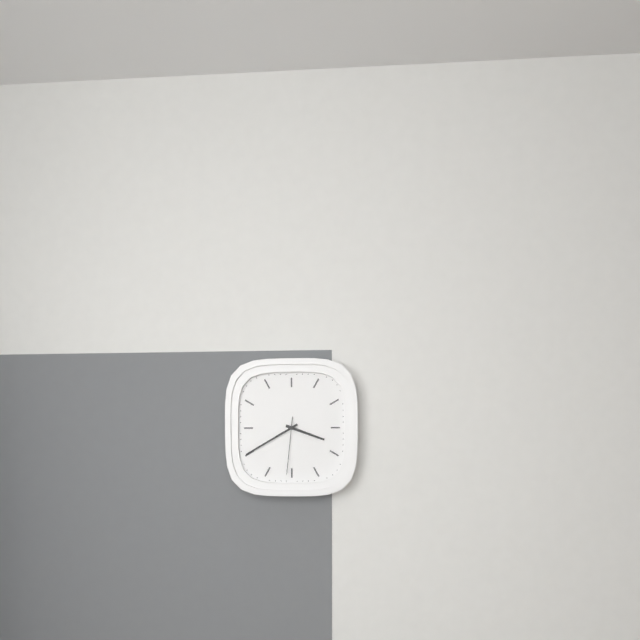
3 h 40 min 31 s
